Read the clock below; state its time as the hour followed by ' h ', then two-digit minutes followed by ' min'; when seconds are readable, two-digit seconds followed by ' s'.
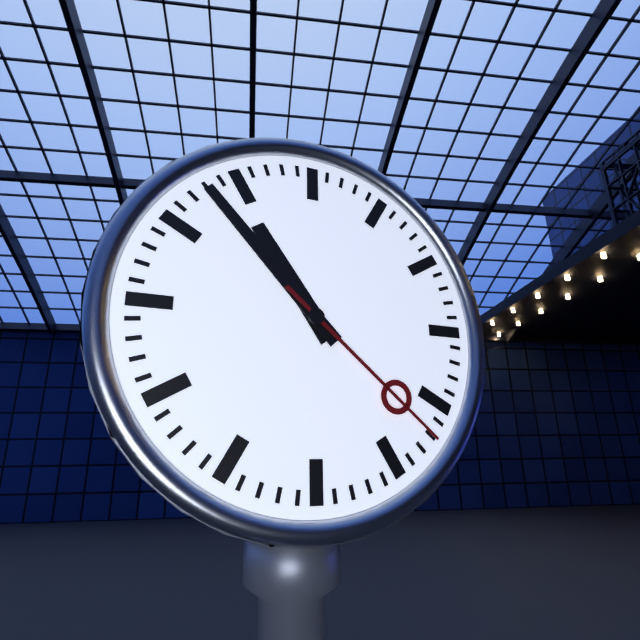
10 h 53 min 22 s
